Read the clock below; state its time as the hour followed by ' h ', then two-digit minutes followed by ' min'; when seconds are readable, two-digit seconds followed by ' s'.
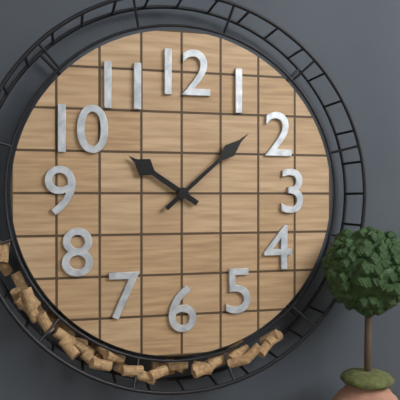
10 h 08 min
